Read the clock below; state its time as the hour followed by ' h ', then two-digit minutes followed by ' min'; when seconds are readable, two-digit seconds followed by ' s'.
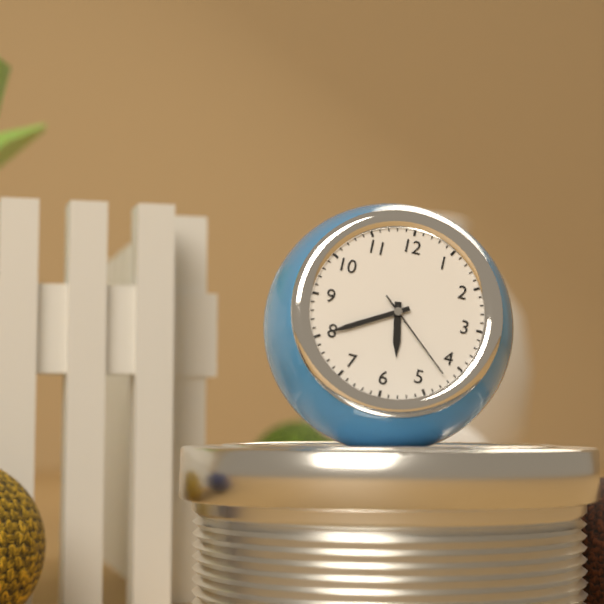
5 h 40 min 22 s
